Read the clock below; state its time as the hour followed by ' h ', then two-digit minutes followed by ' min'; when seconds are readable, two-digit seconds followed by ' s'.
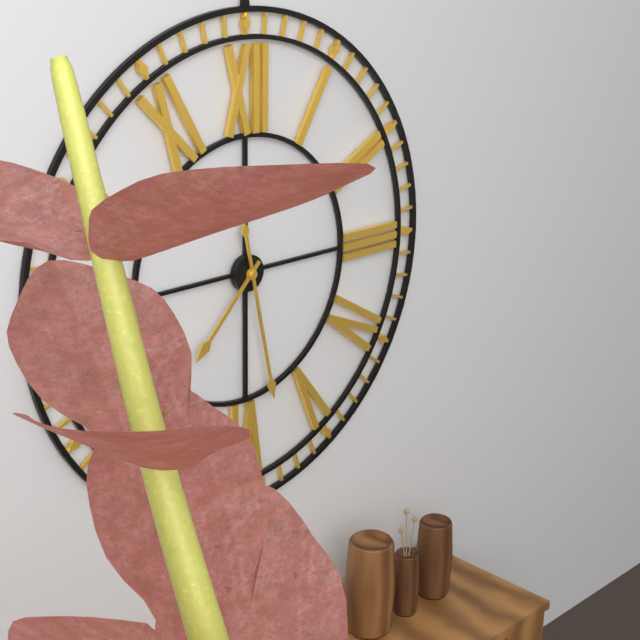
7 h 28 min
